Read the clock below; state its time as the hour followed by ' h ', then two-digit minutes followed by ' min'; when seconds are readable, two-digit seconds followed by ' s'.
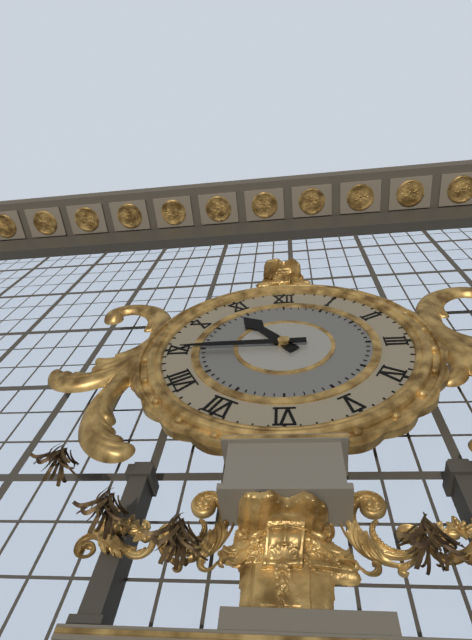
10 h 45 min
